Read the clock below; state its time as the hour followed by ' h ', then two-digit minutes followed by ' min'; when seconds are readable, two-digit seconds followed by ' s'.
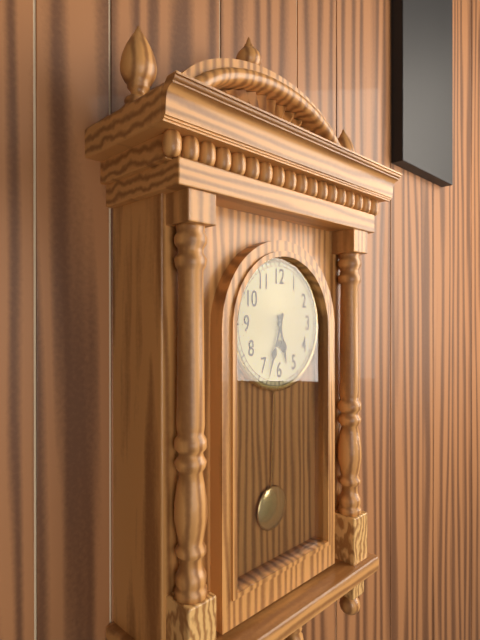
5 h 33 min
